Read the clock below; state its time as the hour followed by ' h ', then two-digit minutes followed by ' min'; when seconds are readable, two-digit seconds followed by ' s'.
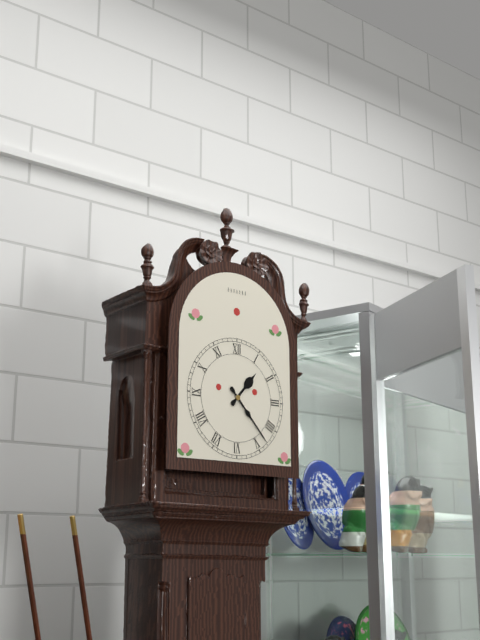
1 h 23 min
